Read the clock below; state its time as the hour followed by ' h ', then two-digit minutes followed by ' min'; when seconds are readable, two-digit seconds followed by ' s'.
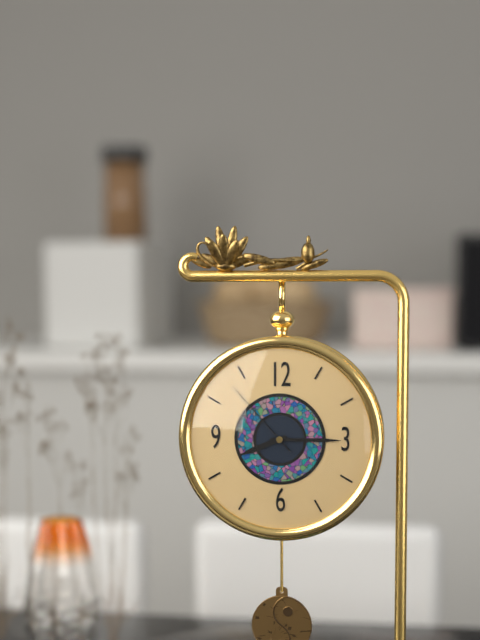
8 h 15 min 53 s
